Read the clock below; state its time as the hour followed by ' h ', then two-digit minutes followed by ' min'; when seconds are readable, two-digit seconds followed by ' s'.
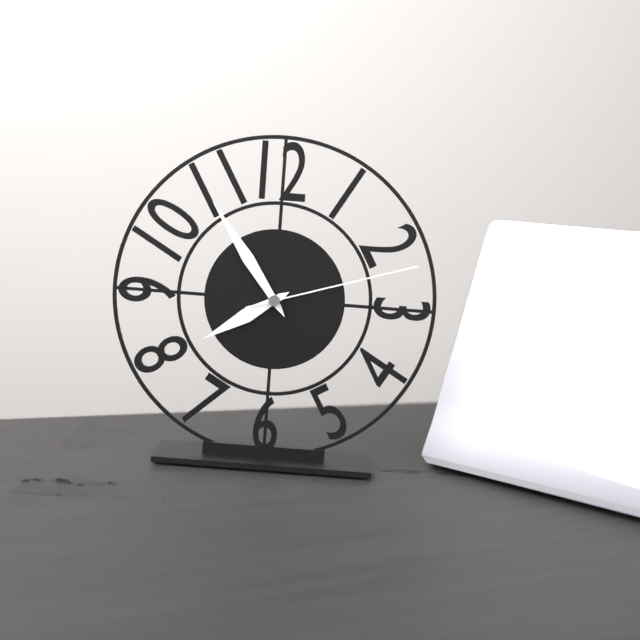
7 h 54 min 12 s
